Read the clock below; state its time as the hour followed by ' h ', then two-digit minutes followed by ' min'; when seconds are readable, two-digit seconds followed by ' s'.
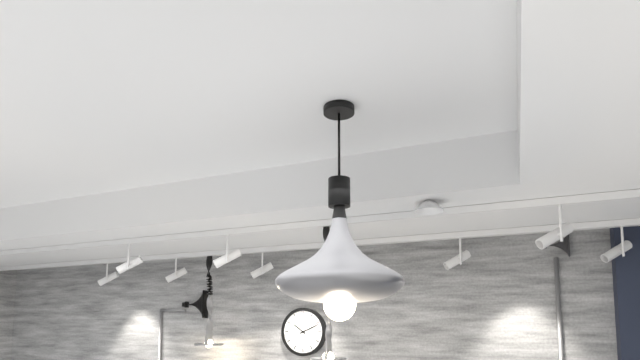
10 h 11 min
